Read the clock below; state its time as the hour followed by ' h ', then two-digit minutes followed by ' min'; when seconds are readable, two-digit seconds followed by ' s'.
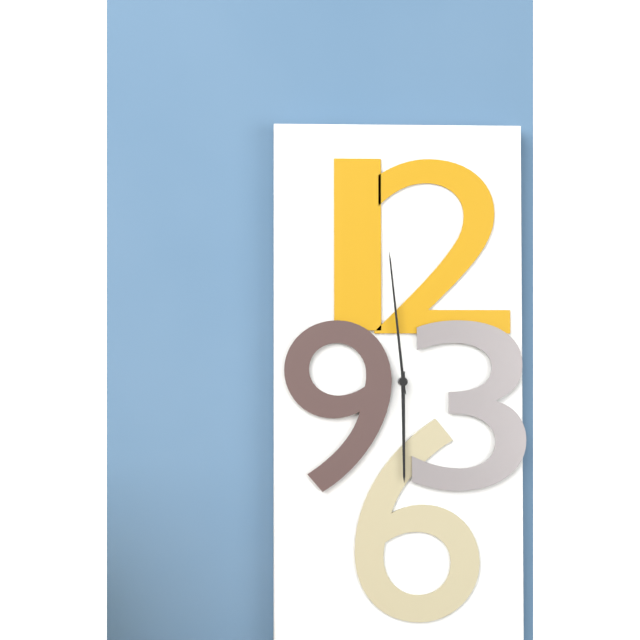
5 h 59 min
